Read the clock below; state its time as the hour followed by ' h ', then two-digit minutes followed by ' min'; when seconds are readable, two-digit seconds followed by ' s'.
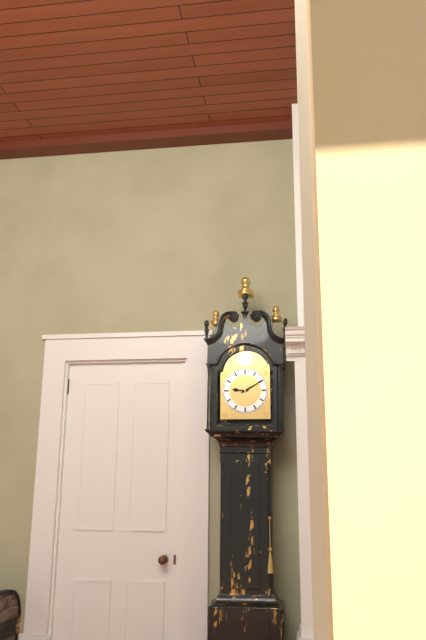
9 h 10 min
